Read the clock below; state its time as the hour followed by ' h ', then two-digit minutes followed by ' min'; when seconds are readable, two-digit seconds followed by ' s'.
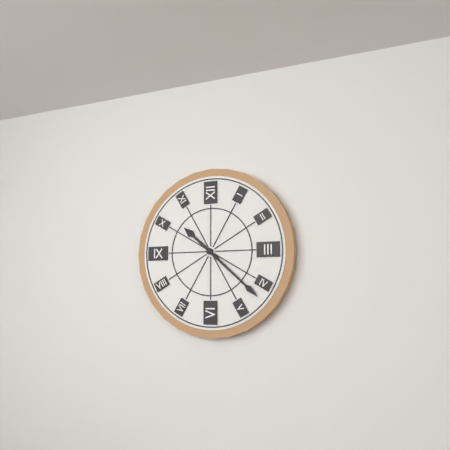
10 h 22 min
